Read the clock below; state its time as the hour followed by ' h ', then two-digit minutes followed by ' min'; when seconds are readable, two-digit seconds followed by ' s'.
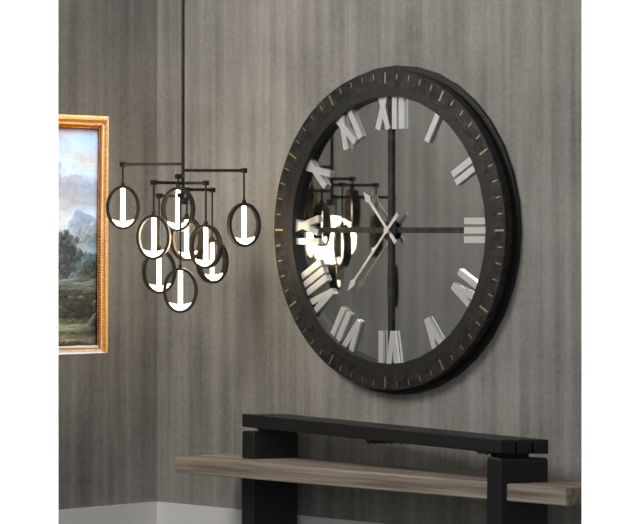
10 h 37 min
